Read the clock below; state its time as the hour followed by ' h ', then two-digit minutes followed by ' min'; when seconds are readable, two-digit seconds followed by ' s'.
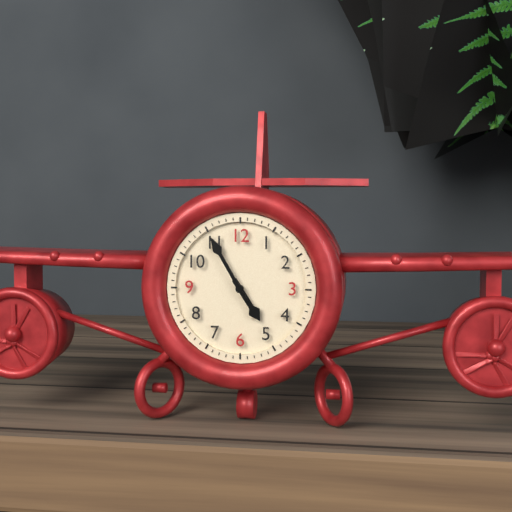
4 h 55 min
